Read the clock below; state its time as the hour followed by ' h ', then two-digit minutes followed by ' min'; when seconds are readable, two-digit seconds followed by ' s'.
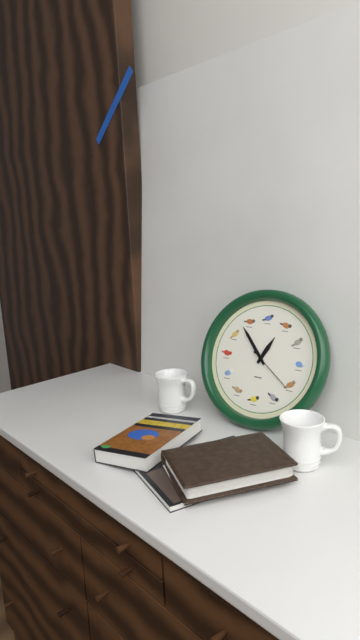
12 h 53 min
